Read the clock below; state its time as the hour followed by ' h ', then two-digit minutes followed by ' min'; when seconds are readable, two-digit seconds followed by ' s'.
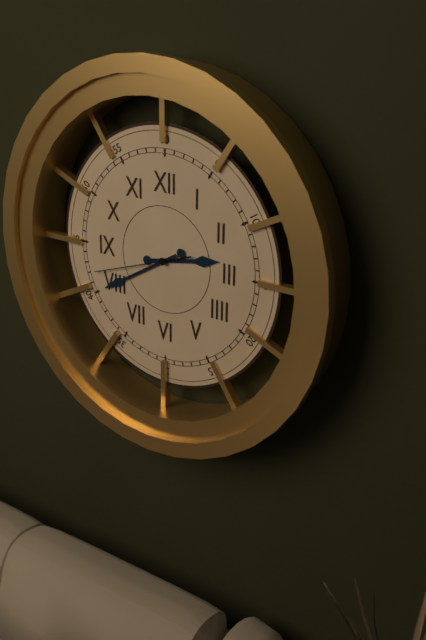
2 h 40 min 42 s
